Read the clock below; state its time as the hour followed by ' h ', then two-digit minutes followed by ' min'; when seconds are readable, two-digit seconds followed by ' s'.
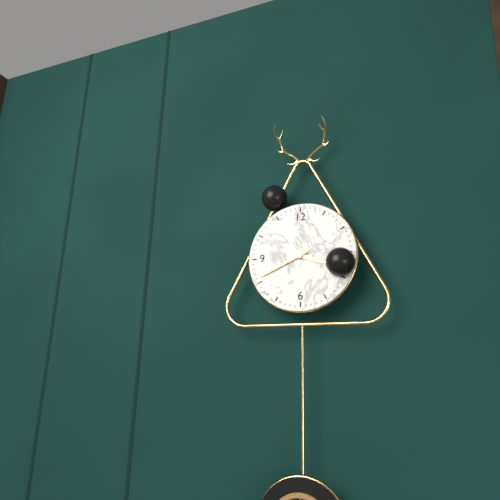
3 h 41 min
